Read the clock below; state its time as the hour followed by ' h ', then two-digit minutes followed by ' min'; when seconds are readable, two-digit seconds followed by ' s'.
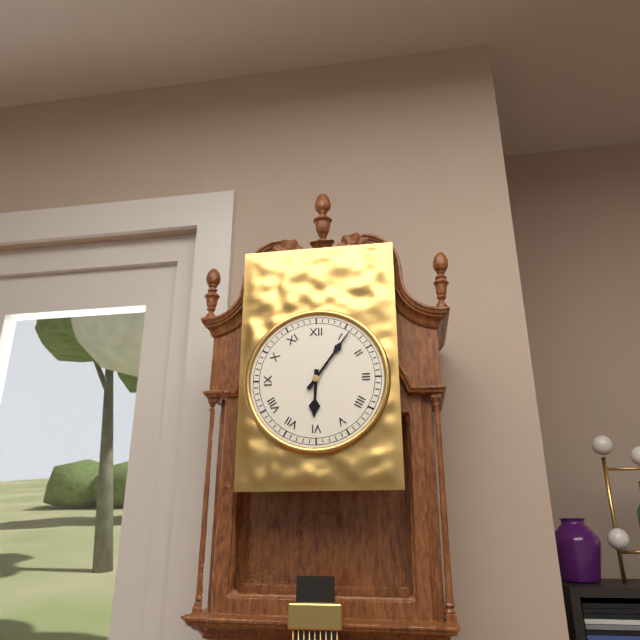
6 h 06 min
